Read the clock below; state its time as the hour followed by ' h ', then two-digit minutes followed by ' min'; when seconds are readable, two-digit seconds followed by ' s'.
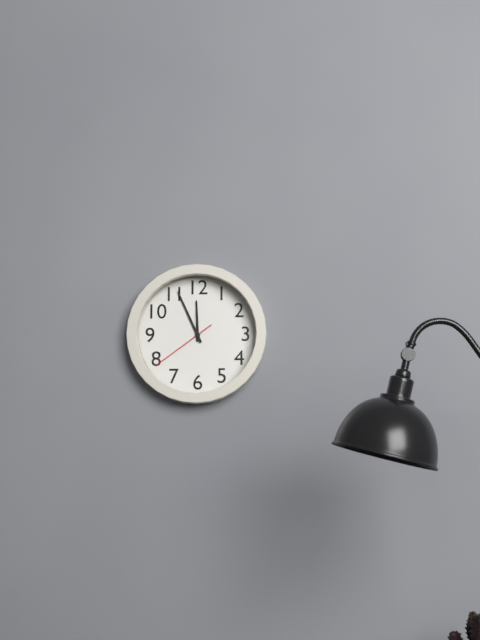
11 h 56 min 39 s
